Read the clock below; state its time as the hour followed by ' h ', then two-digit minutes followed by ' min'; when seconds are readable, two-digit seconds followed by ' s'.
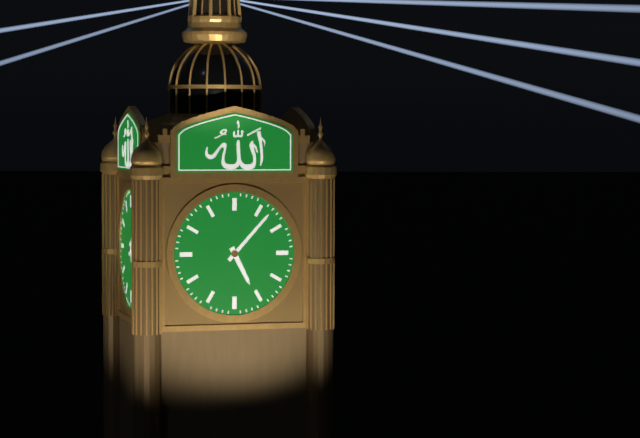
5 h 07 min
